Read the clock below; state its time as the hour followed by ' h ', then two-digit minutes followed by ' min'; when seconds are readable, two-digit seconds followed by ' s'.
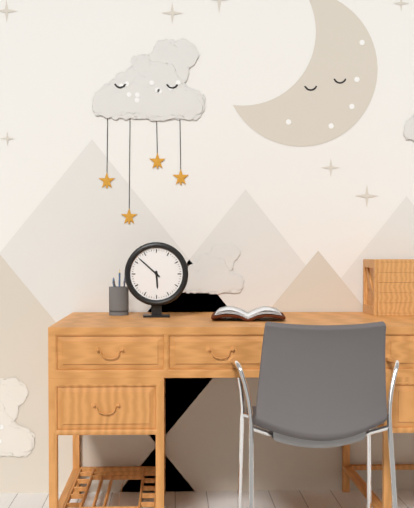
5 h 52 min
